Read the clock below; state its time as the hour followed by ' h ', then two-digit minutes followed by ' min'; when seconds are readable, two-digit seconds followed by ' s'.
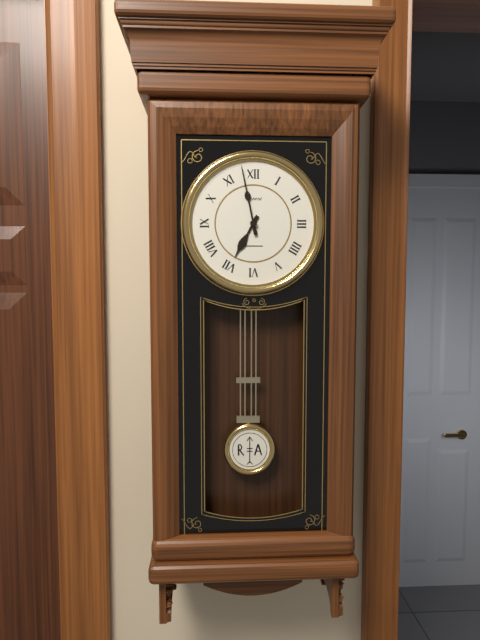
6 h 58 min
